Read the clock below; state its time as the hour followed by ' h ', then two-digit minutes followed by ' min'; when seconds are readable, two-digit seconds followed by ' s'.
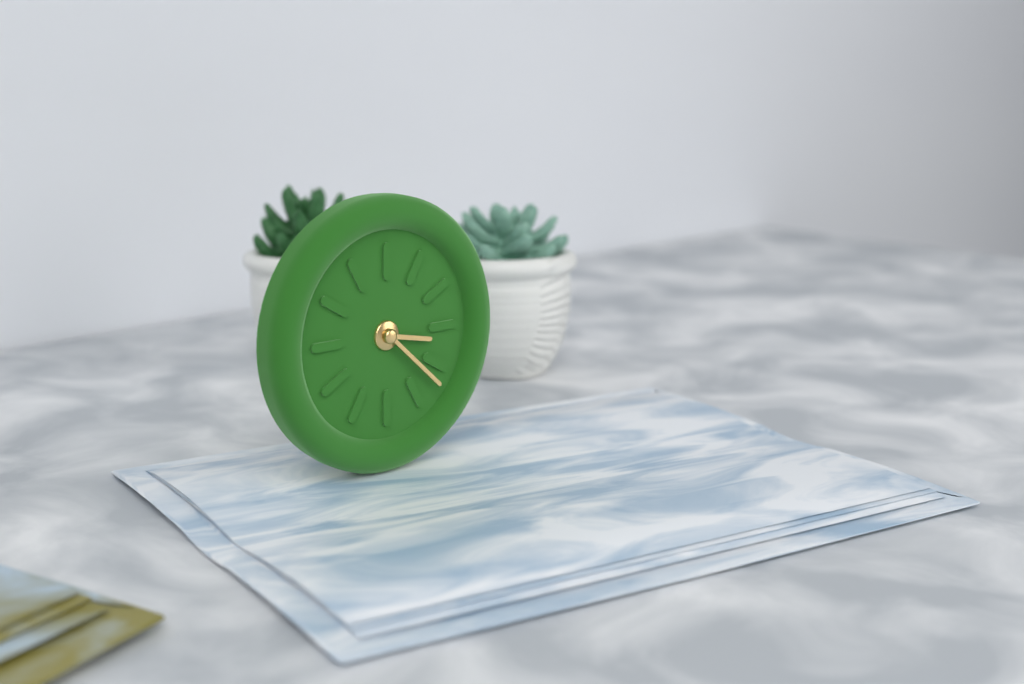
3 h 22 min
